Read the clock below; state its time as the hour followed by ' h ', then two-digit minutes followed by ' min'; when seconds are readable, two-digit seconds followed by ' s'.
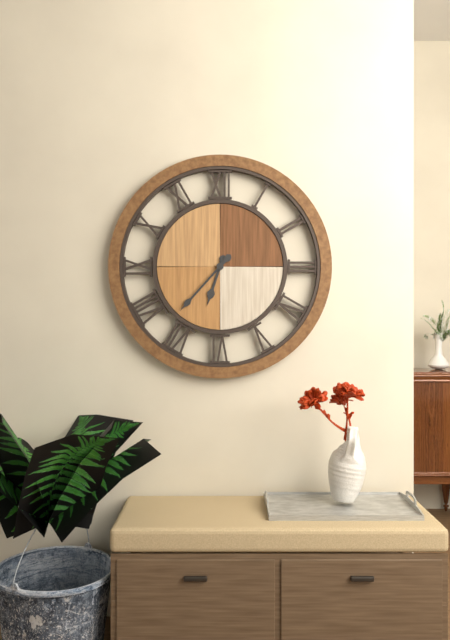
6 h 37 min
